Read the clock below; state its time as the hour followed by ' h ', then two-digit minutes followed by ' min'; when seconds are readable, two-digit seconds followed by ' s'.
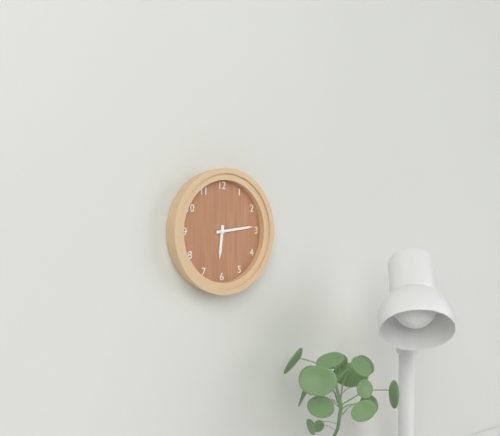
6 h 14 min
